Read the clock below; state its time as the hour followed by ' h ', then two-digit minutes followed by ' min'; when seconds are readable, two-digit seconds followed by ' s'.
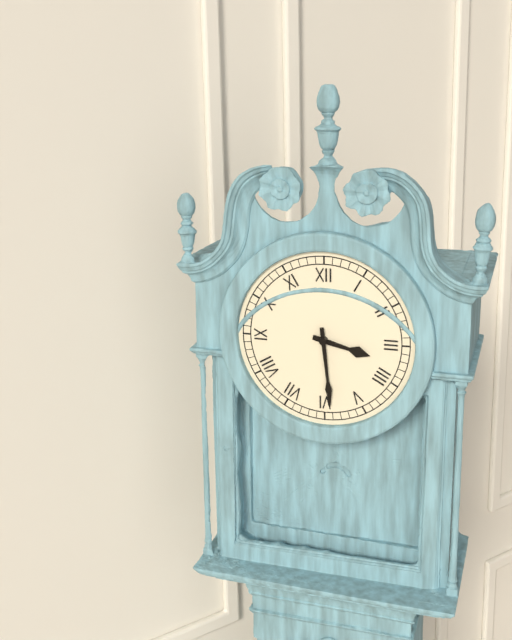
3 h 29 min
